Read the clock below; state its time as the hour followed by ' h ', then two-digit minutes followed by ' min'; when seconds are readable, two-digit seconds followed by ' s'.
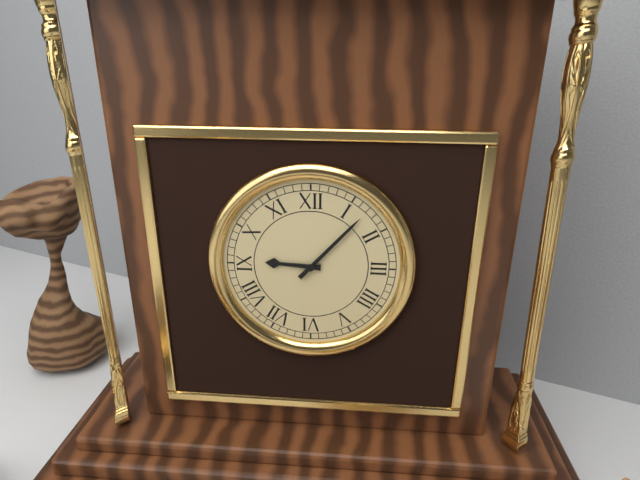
9 h 07 min
